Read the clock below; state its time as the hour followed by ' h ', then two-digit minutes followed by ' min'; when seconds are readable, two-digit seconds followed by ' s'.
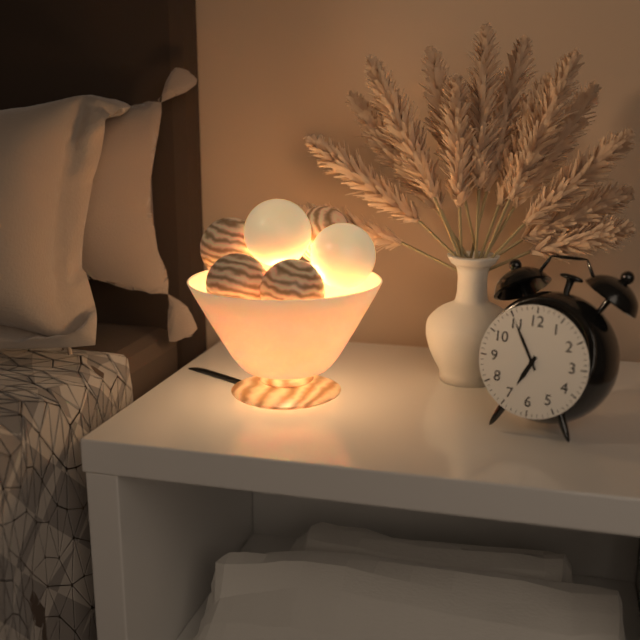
6 h 55 min
